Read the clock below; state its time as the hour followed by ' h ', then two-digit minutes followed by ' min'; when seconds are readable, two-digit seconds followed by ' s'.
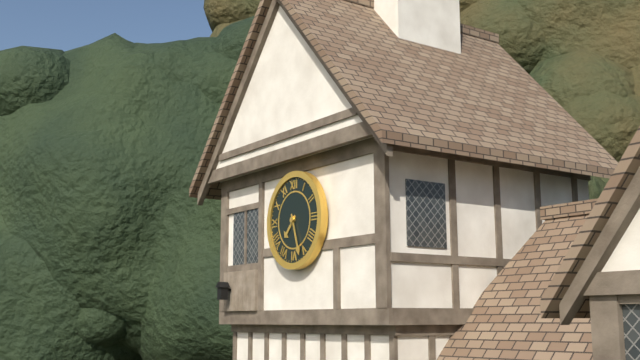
7 h 27 min
